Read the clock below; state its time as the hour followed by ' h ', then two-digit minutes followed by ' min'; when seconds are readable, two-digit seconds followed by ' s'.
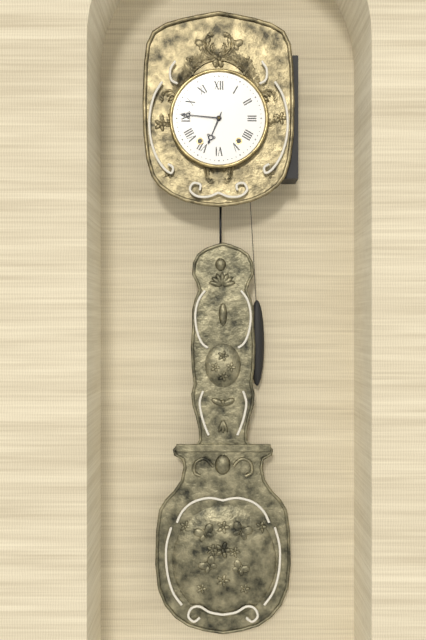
6 h 46 min
